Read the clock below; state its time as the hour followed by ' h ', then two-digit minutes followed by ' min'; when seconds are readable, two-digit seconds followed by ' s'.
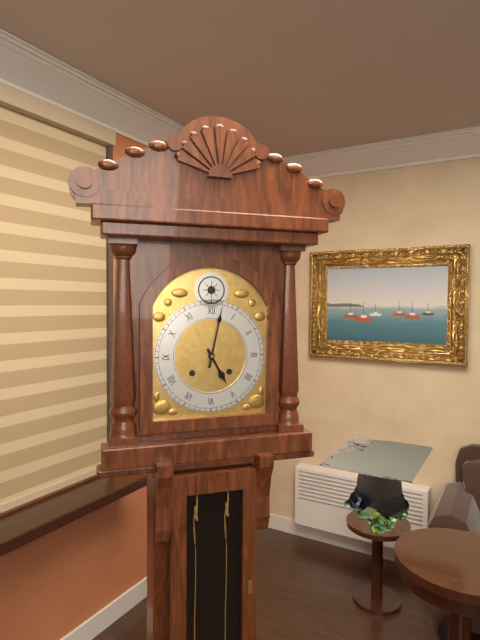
5 h 02 min
